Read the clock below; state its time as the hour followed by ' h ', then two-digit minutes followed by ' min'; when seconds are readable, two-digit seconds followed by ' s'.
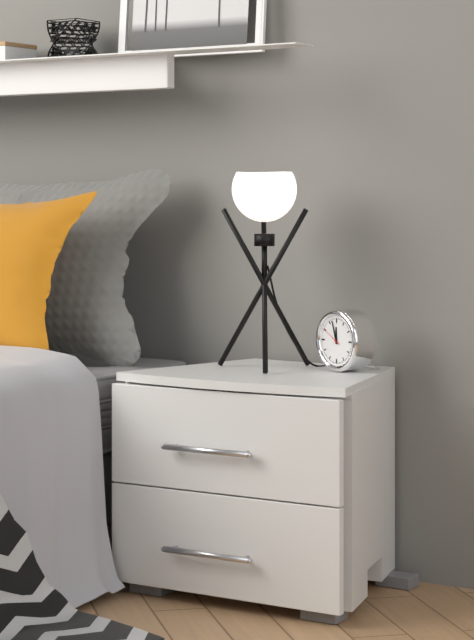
11 h 57 min
